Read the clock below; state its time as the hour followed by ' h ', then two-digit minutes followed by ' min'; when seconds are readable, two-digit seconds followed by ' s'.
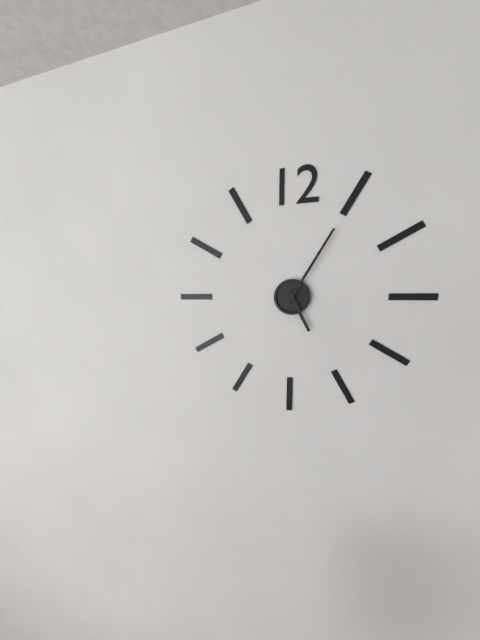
5 h 05 min
